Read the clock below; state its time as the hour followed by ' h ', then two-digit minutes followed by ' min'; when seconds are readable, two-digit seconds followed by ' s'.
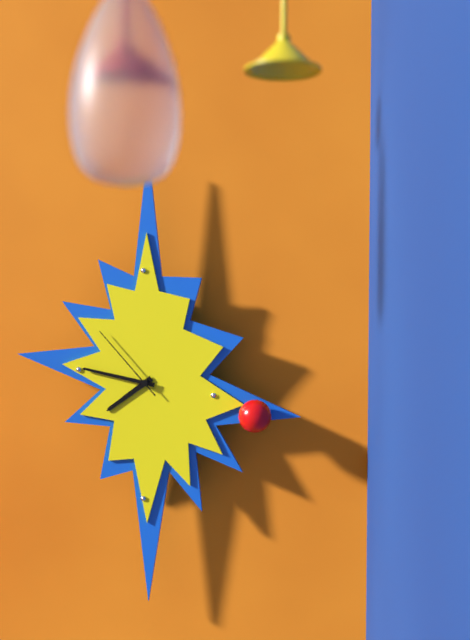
7 h 47 min 53 s
